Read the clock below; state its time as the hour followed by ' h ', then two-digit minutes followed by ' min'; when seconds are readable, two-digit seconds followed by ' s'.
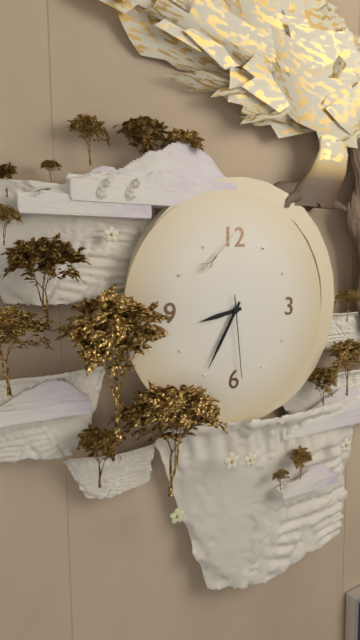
8 h 35 min 29 s
